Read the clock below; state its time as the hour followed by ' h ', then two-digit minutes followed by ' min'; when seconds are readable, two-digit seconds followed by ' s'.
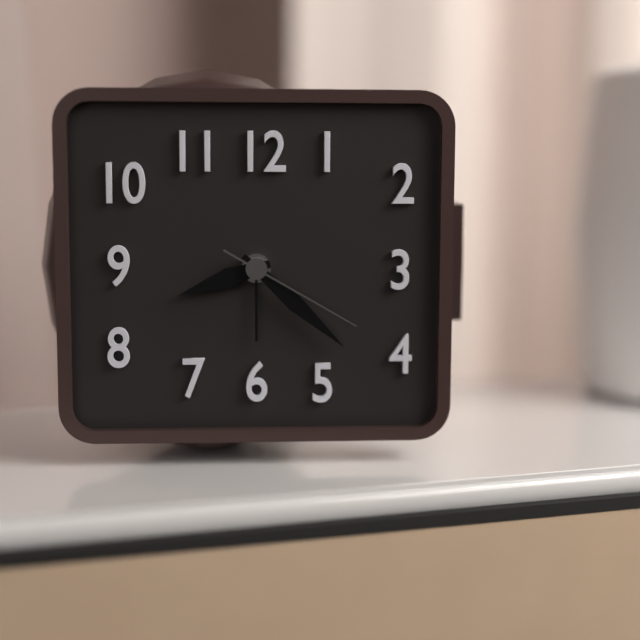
8 h 22 min 20 s
